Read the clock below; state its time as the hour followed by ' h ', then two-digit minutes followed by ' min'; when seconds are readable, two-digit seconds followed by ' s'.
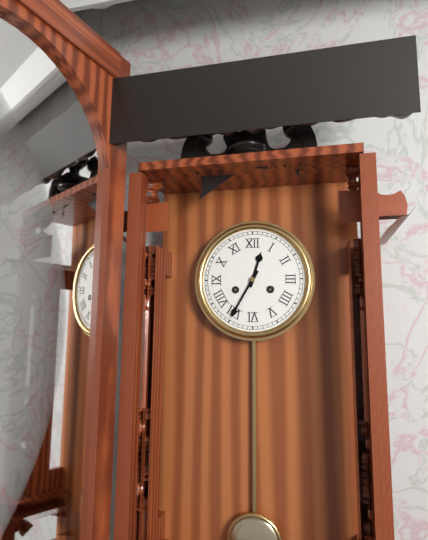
12 h 35 min
